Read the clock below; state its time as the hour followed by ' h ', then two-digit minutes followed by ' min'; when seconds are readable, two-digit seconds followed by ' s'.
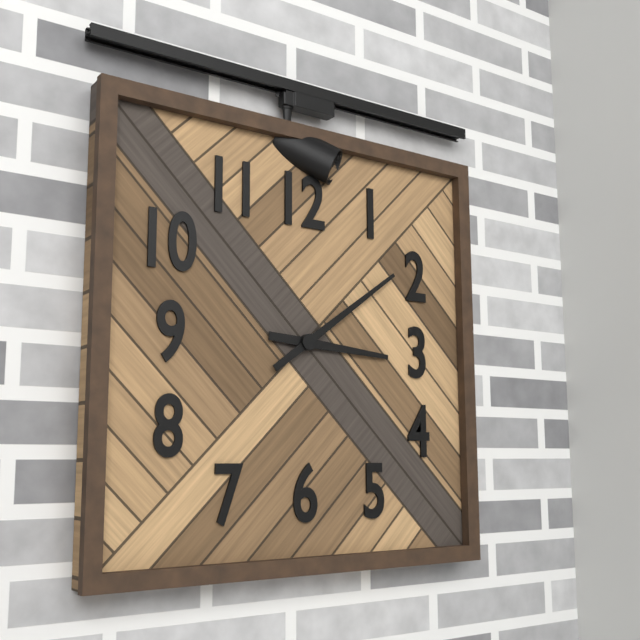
3 h 09 min
